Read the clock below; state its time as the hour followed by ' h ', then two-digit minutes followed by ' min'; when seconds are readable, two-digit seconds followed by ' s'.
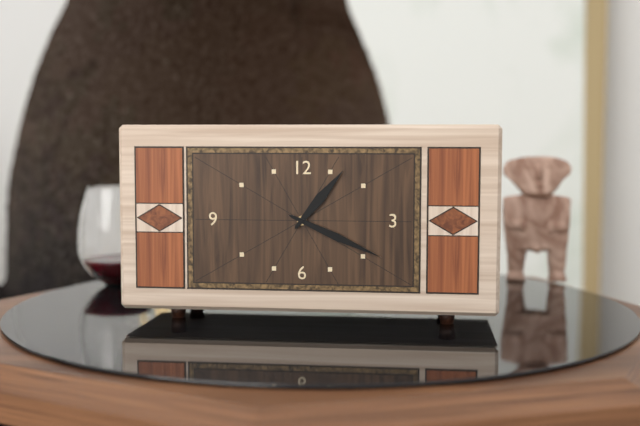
1 h 19 min
